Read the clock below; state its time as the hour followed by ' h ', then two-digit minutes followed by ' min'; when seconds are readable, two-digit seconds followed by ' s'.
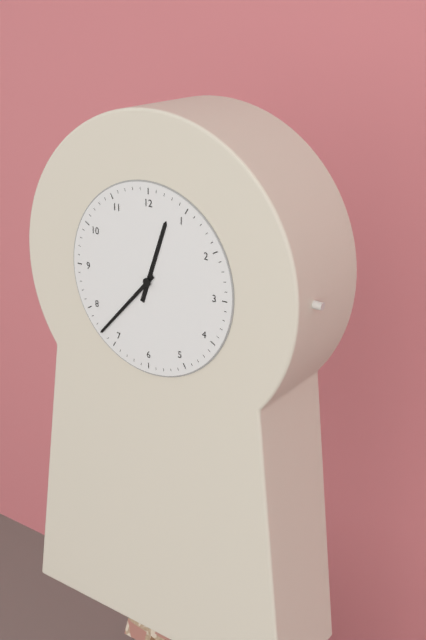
12 h 37 min
